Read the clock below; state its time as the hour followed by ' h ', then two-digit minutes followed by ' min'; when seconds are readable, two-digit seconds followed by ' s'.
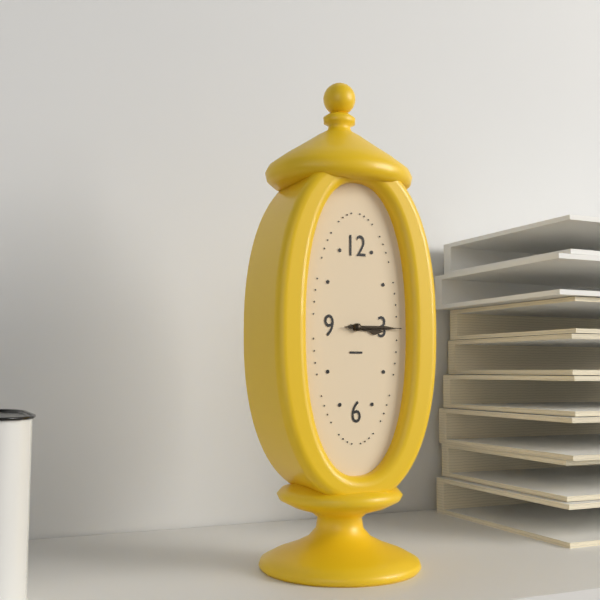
3 h 15 min 15 s
